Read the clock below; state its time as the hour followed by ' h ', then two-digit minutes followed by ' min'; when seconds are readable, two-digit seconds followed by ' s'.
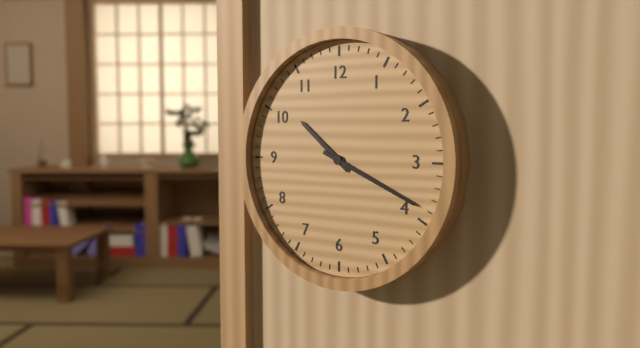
10 h 19 min
